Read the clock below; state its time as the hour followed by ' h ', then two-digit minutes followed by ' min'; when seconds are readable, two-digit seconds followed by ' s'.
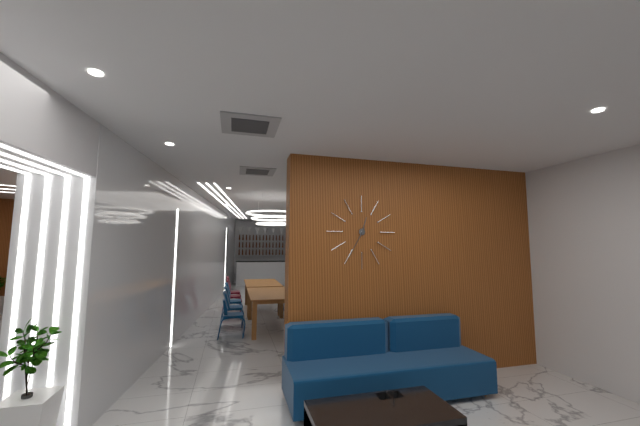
12 h 35 min
